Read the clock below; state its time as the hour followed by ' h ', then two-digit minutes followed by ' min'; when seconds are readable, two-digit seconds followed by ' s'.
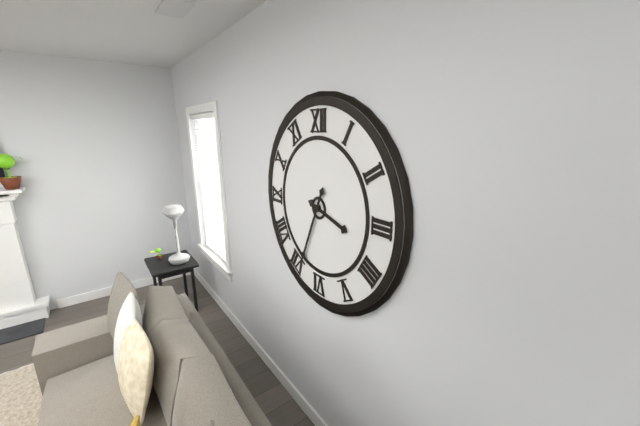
3 h 34 min
